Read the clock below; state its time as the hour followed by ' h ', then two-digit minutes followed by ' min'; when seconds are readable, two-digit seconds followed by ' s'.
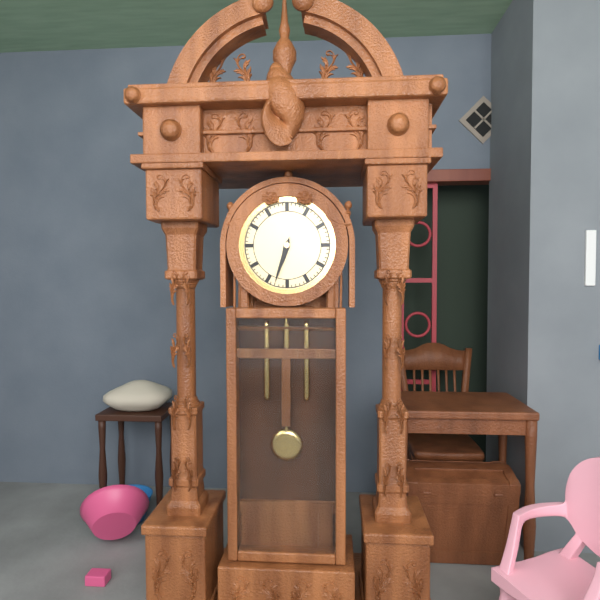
6 h 33 min
